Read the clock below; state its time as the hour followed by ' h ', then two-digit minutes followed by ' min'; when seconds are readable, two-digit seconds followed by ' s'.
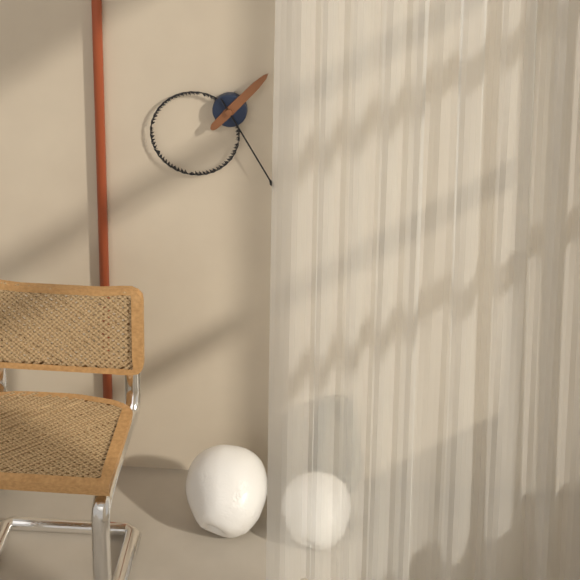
1 h 25 min
